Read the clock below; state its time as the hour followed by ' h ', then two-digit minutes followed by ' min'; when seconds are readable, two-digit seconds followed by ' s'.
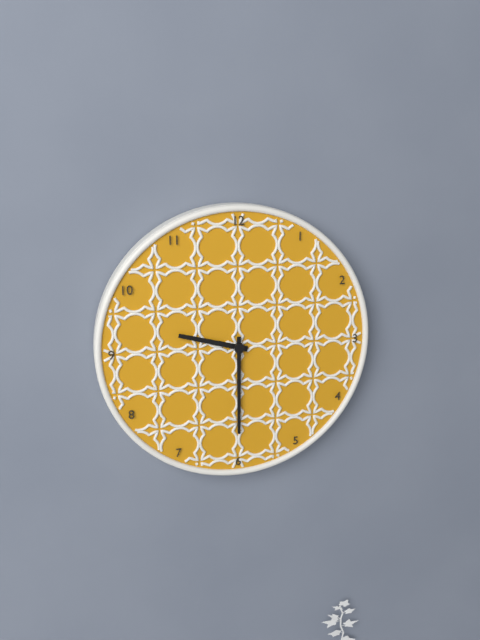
9 h 30 min
